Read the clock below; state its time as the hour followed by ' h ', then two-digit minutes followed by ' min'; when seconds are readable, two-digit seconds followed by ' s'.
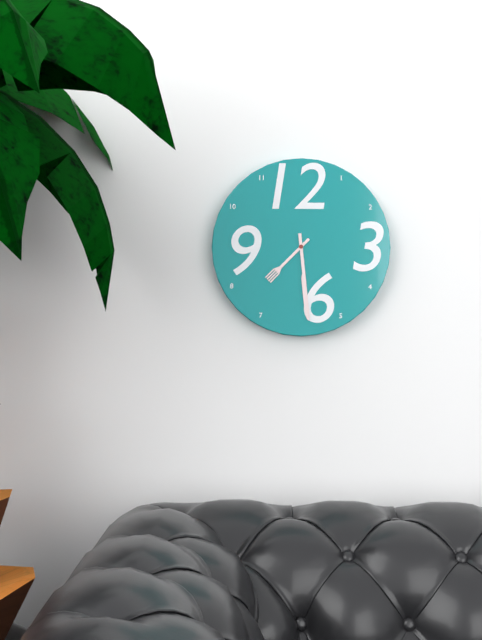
7 h 29 min
